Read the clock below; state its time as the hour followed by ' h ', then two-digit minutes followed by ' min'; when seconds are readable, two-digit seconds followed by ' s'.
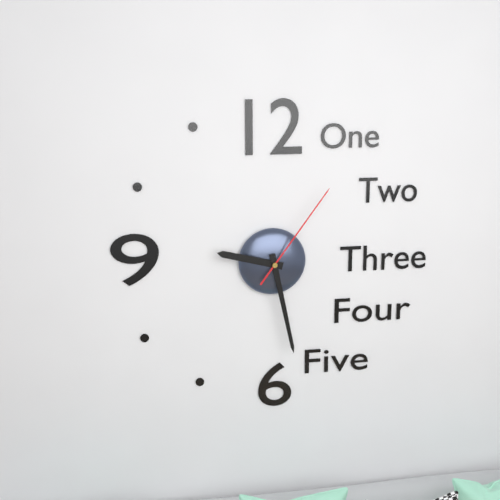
9 h 28 min 06 s
